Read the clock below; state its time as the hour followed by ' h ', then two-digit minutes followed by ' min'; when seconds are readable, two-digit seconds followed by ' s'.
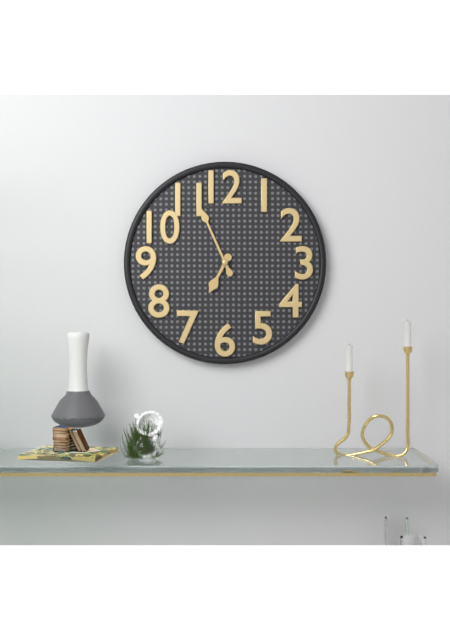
6 h 56 min
